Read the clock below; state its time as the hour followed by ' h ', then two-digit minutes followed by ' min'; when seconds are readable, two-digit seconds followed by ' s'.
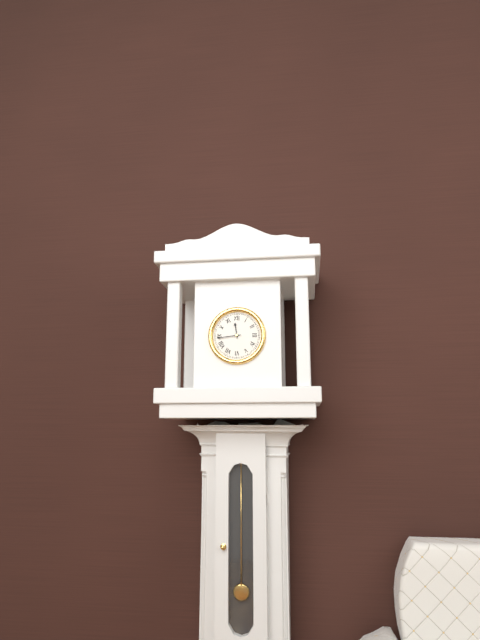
11 h 44 min
